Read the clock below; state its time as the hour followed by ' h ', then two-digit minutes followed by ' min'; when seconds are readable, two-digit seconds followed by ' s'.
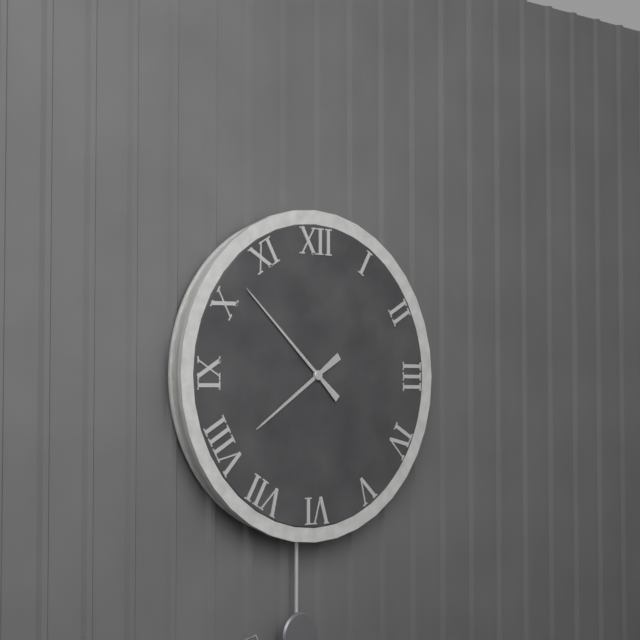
7 h 52 min
